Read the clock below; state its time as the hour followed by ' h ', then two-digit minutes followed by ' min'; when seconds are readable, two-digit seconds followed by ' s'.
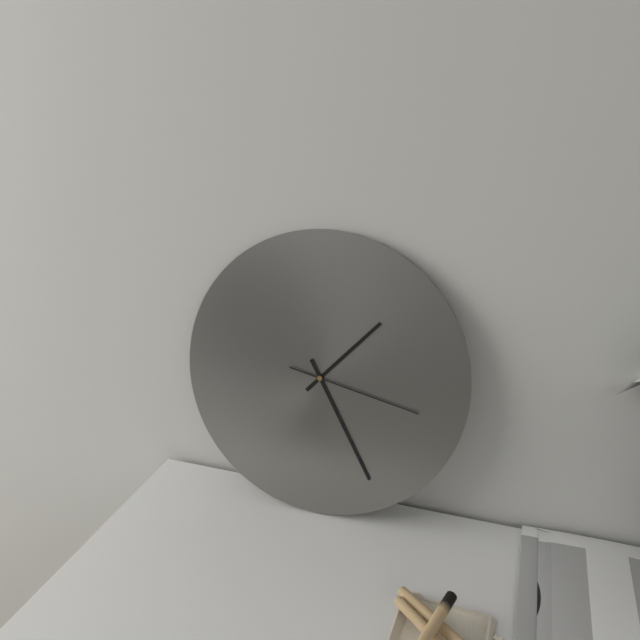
1 h 25 min 17 s
